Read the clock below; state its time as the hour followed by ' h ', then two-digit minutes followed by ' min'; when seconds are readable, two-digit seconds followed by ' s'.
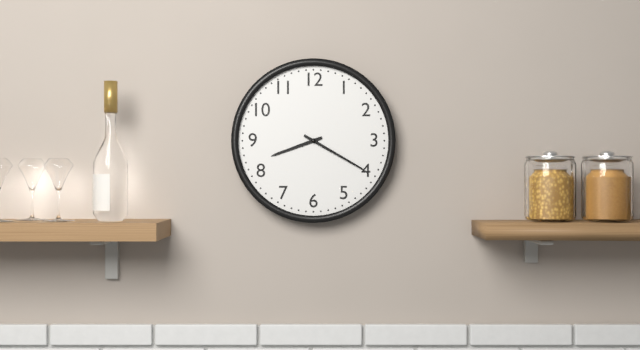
8 h 20 min
